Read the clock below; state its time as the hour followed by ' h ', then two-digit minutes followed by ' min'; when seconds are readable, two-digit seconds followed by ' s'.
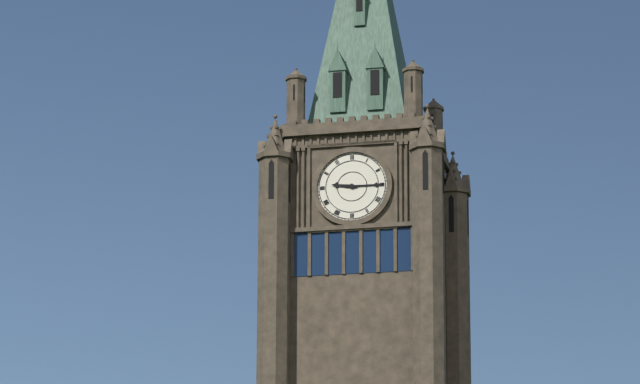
9 h 15 min
